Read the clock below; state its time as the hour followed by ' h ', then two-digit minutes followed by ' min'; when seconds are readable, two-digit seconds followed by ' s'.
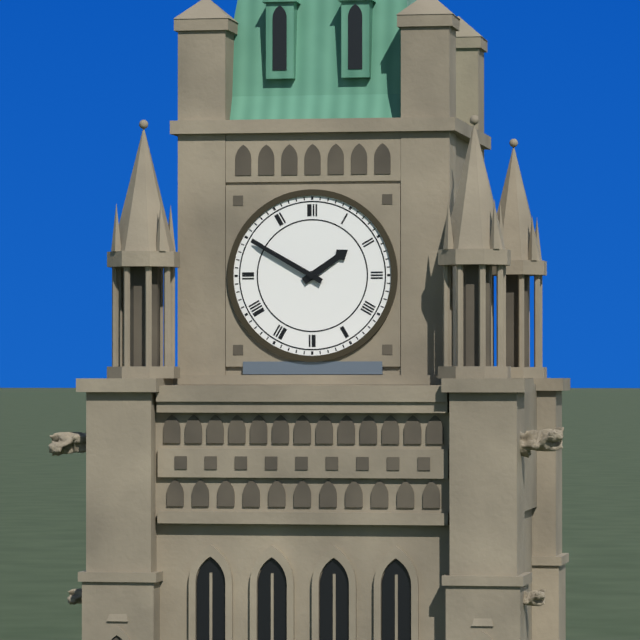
1 h 50 min
